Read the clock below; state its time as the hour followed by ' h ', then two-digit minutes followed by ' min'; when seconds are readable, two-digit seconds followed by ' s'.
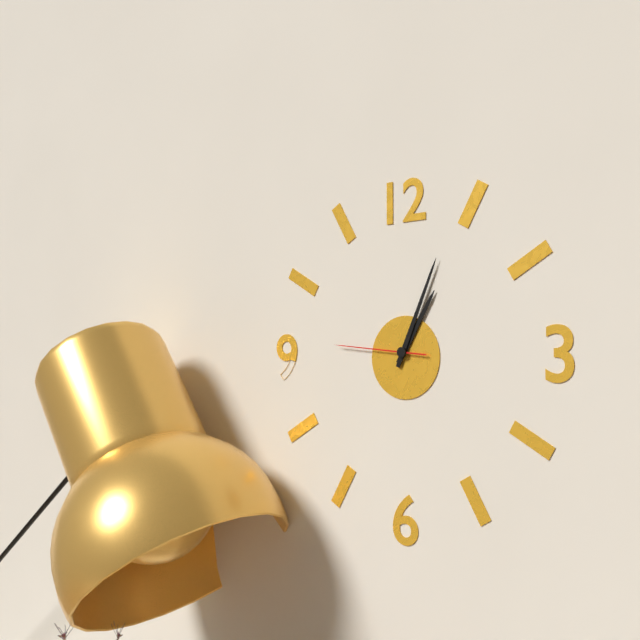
1 h 04 min 46 s
